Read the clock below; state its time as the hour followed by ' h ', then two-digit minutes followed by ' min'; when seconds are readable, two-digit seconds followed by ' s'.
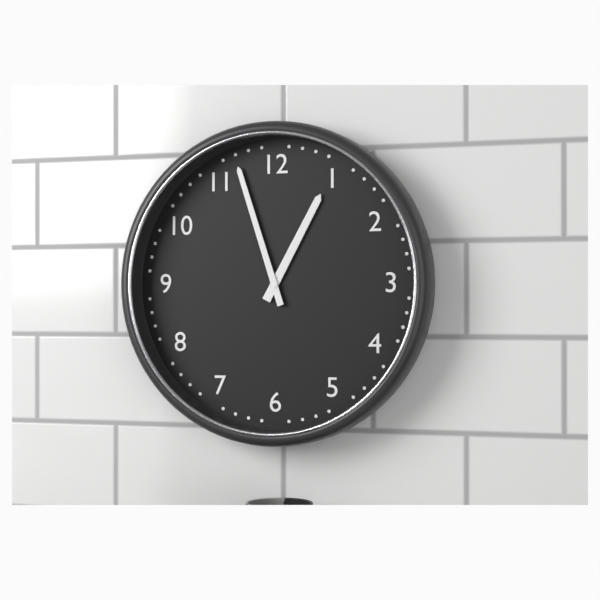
12 h 57 min
